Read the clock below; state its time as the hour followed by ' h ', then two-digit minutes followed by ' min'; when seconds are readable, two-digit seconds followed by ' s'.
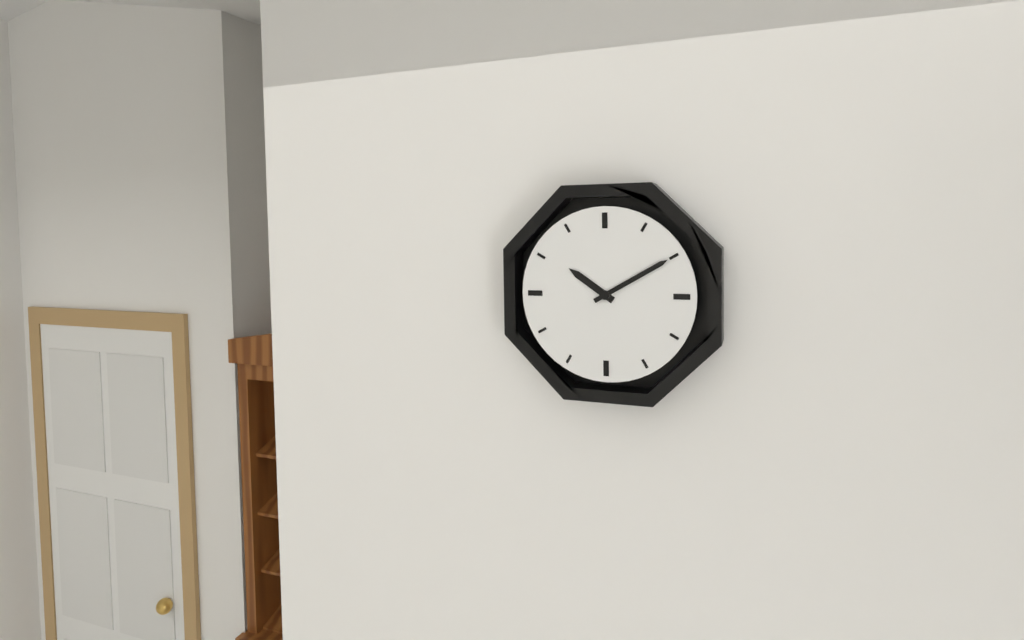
10 h 10 min
